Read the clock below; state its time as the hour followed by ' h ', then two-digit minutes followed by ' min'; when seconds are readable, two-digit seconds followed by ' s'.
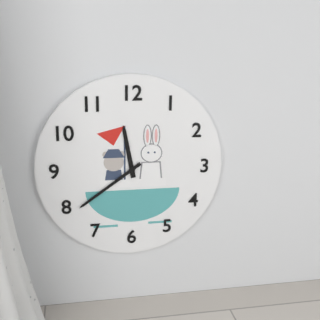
11 h 39 min
